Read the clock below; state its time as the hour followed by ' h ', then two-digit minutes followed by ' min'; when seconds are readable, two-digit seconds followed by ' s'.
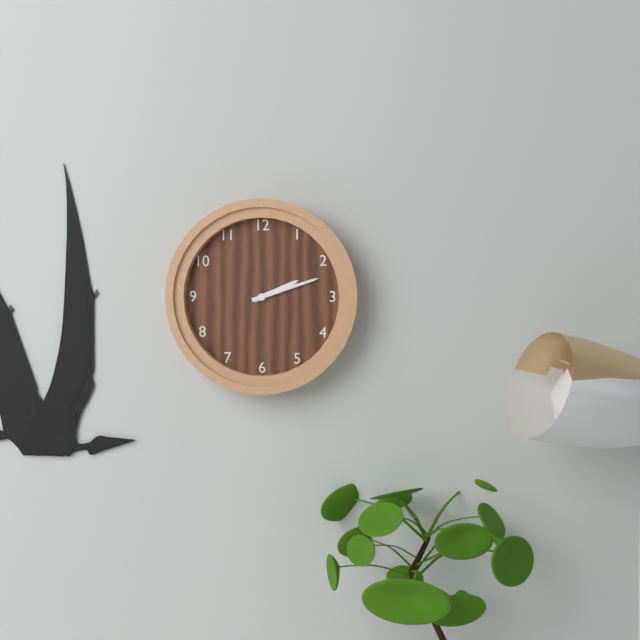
2 h 12 min
